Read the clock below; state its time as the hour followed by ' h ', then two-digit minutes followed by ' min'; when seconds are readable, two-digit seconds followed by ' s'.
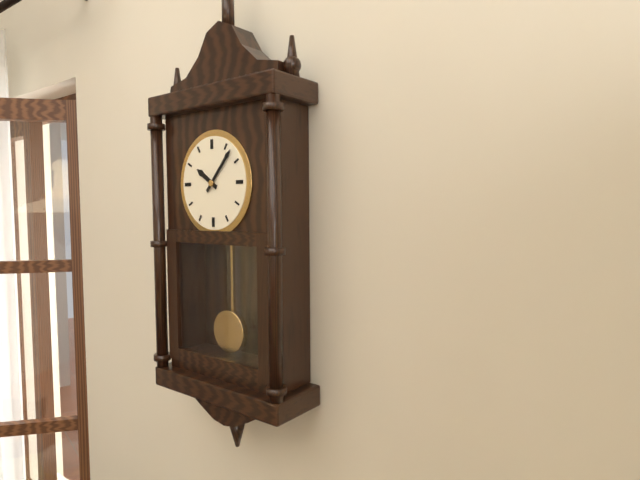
10 h 07 min
